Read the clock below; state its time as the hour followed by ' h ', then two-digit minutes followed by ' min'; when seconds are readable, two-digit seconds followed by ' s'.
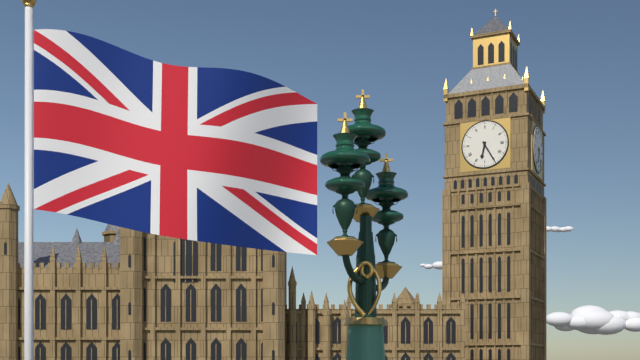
6 h 25 min
